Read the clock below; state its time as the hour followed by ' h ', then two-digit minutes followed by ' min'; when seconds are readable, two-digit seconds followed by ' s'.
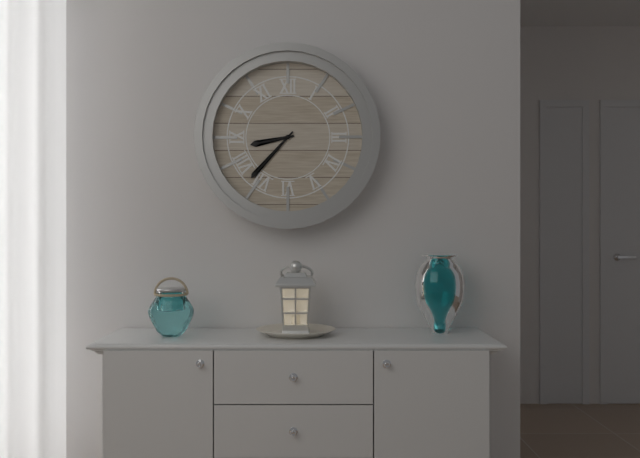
8 h 37 min
